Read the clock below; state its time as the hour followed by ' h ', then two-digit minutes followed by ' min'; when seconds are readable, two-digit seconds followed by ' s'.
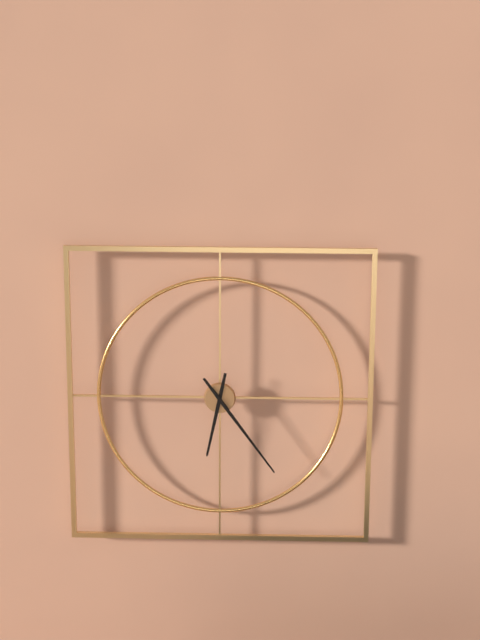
6 h 24 min
